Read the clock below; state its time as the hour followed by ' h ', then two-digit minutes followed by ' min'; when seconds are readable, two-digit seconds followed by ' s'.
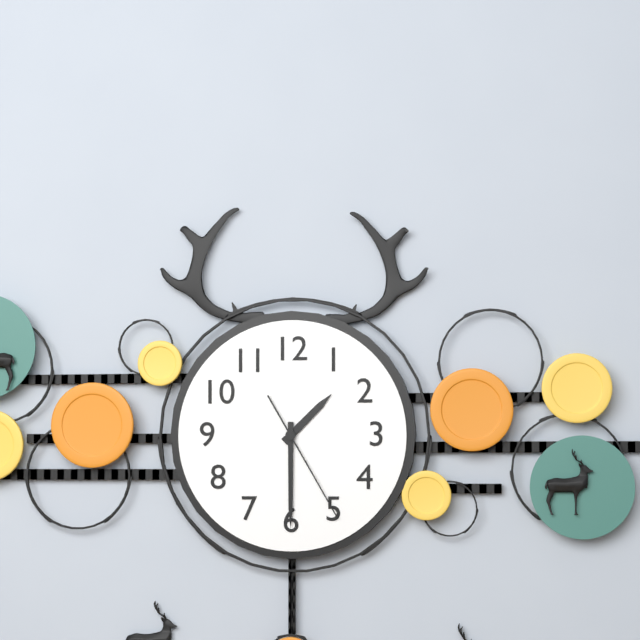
1 h 30 min 25 s
